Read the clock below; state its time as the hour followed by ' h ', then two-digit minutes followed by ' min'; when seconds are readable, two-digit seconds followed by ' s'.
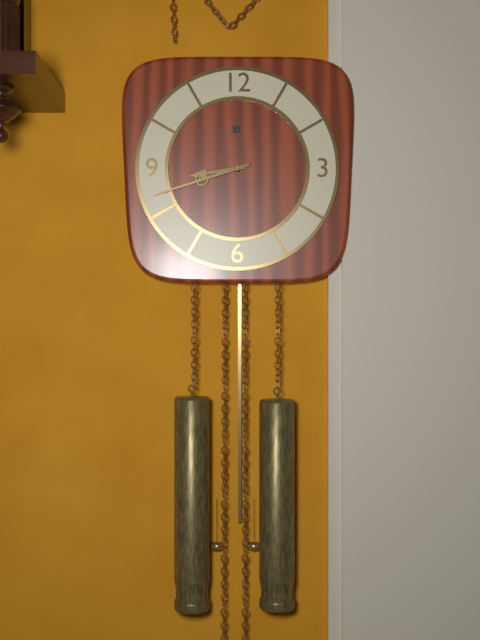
8 h 42 min
